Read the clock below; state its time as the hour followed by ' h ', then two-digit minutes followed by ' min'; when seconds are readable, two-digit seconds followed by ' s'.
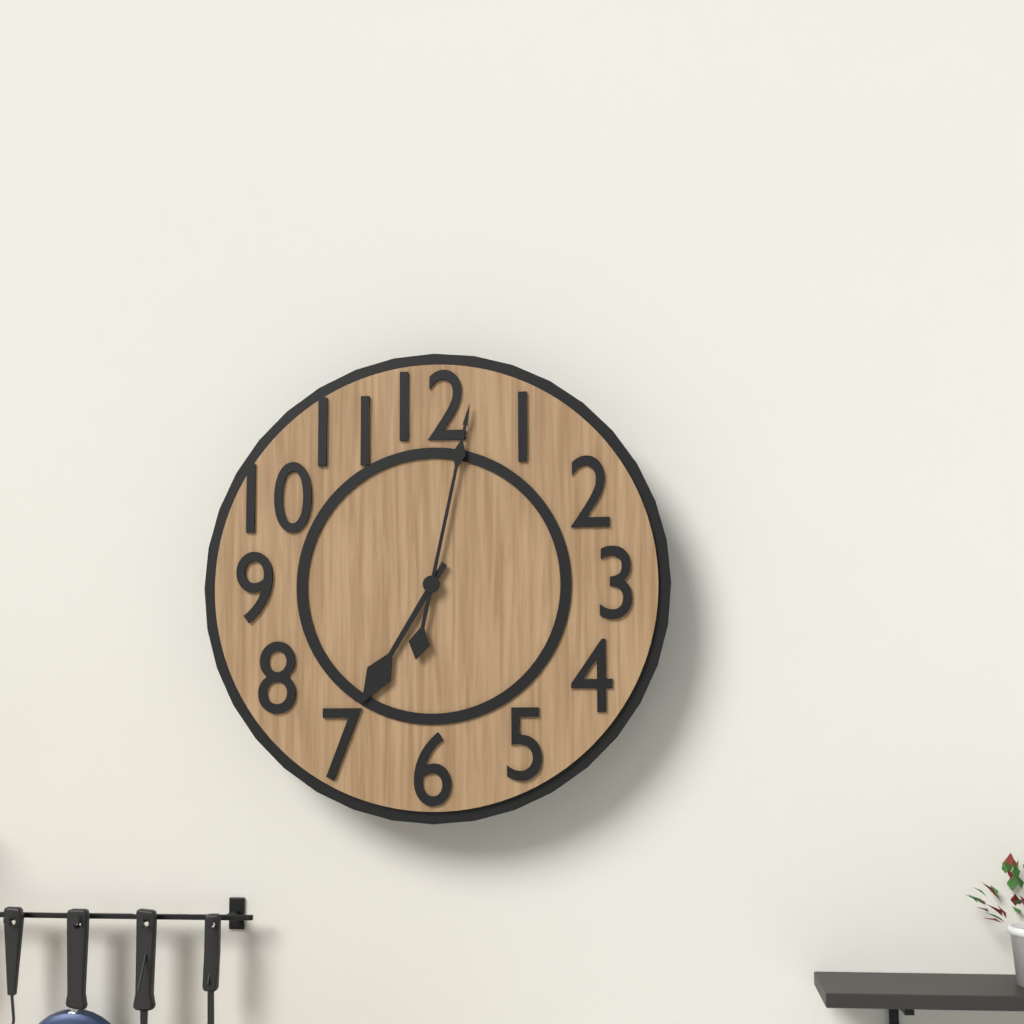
7 h 02 min
